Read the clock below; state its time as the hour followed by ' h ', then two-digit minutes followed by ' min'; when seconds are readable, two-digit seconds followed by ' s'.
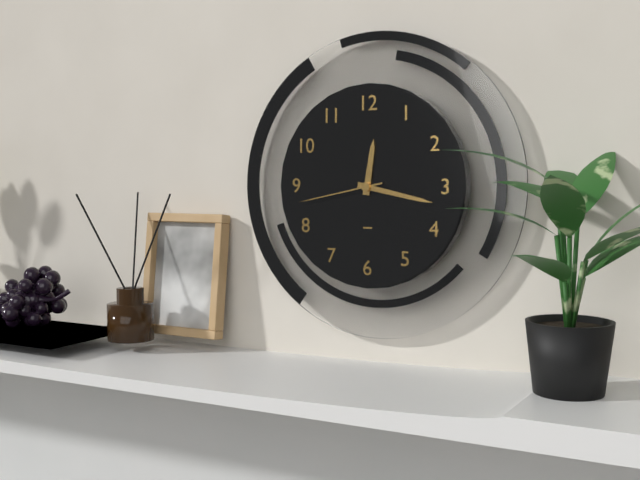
12 h 17 min 43 s
